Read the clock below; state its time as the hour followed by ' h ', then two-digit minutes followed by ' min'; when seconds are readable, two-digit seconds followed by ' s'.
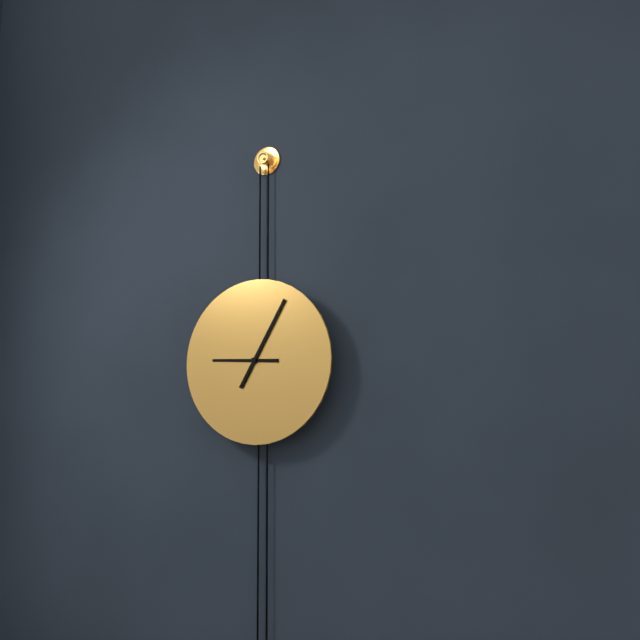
9 h 05 min
